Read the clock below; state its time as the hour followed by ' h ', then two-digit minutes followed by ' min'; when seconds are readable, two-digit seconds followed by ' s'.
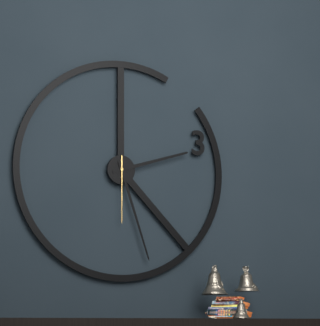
2 h 27 min 30 s
